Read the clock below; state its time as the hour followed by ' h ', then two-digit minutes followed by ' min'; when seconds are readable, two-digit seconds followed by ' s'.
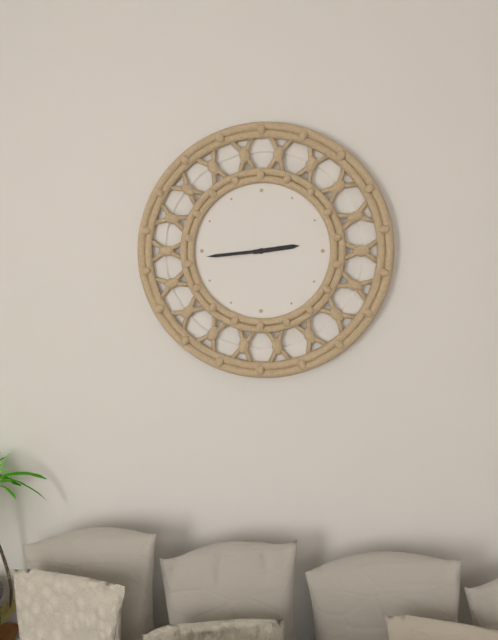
2 h 44 min
